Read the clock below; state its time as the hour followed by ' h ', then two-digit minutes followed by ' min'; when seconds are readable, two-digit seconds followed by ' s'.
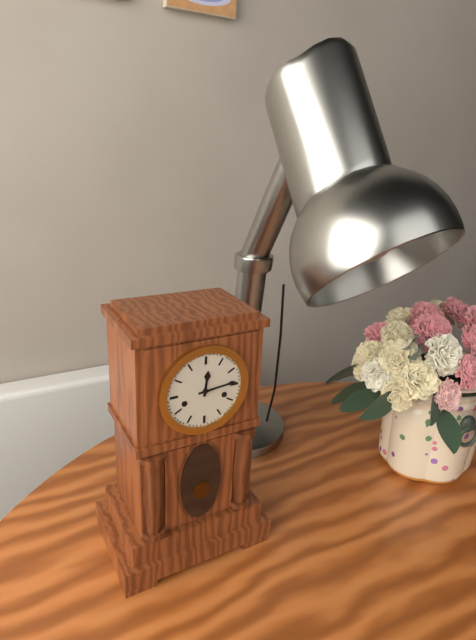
12 h 14 min
